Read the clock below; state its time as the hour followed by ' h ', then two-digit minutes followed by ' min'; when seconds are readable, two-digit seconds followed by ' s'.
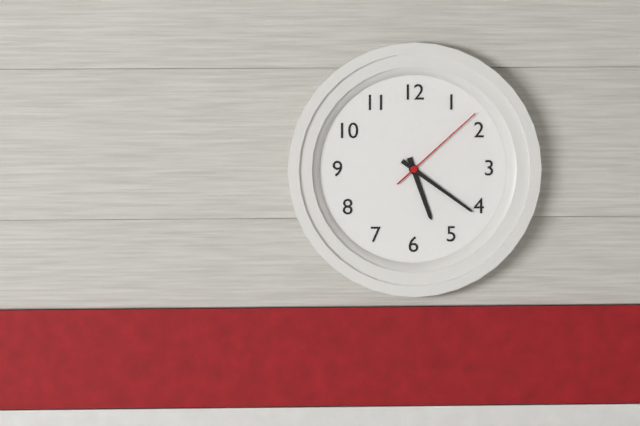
5 h 21 min 08 s
